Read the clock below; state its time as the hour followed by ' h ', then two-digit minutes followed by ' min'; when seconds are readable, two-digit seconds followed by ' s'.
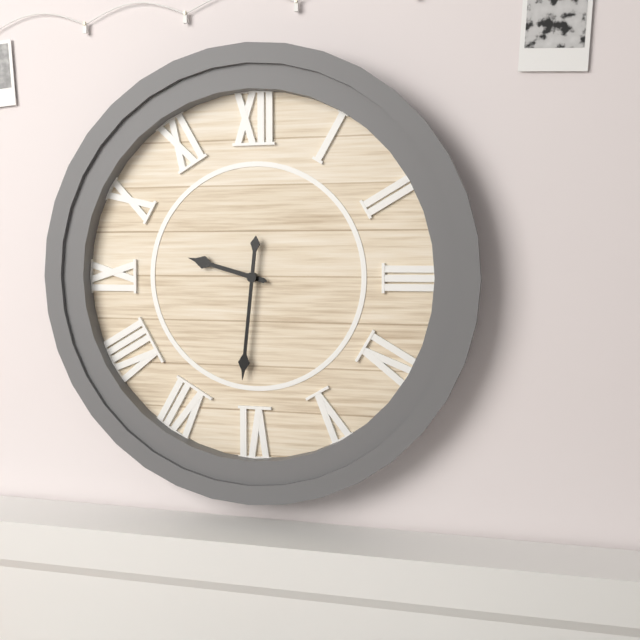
9 h 31 min
